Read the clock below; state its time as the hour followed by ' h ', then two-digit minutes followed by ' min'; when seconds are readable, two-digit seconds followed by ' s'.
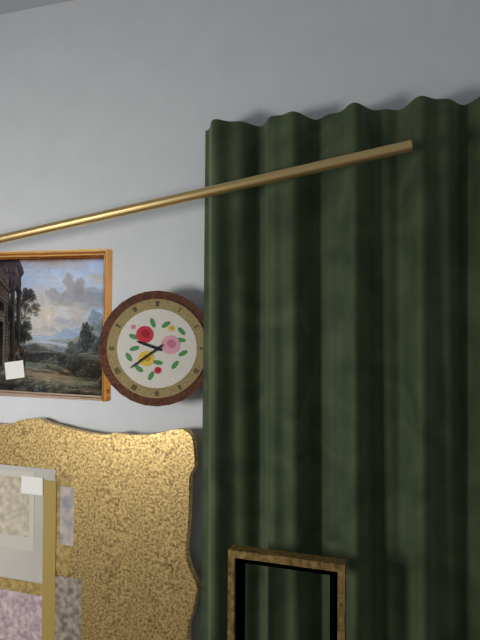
9 h 39 min
